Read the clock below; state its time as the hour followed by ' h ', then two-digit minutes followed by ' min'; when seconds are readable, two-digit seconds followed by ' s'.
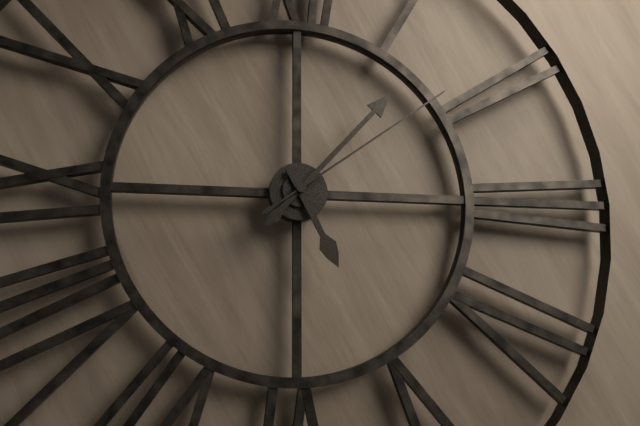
5 h 07 min 09 s
